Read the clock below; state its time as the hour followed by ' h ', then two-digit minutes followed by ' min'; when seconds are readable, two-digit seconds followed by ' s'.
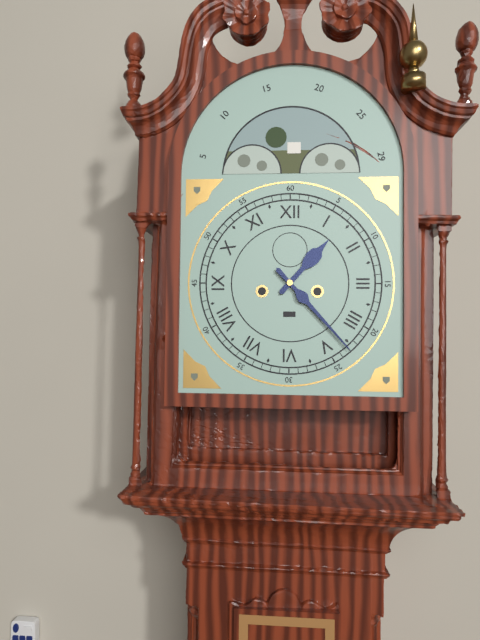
1 h 23 min
